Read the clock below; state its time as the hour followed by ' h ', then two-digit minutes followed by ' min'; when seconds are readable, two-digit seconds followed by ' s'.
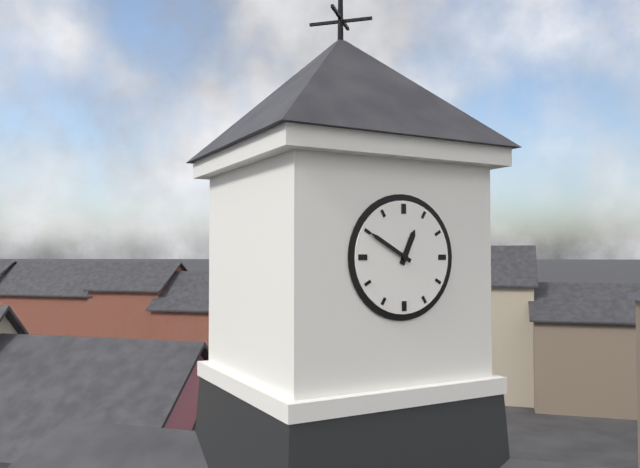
12 h 50 min
